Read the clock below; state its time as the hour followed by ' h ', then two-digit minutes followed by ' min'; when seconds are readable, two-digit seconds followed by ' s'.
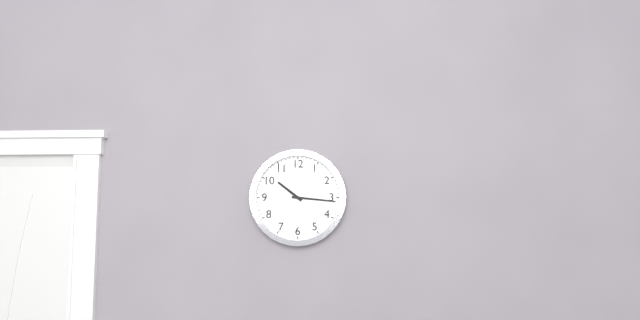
10 h 16 min
